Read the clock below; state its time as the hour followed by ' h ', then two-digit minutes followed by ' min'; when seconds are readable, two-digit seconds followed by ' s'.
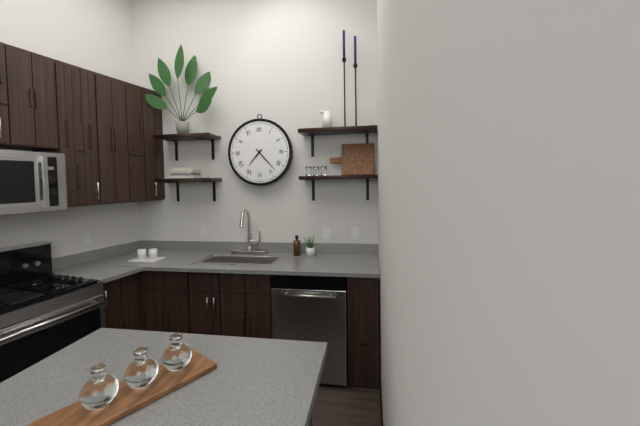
7 h 23 min
